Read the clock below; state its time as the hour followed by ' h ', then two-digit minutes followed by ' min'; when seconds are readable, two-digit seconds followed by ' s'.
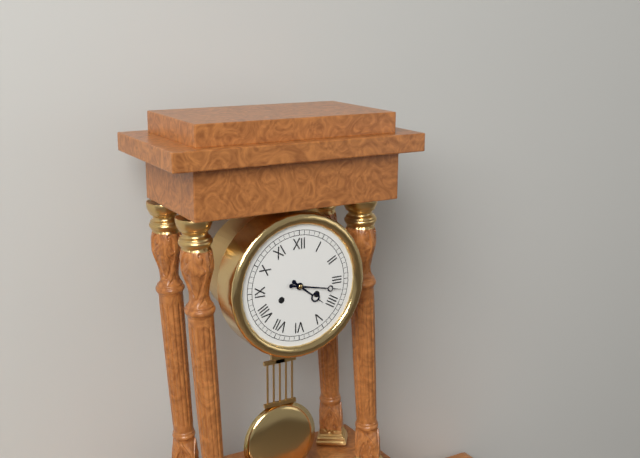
4 h 17 min
